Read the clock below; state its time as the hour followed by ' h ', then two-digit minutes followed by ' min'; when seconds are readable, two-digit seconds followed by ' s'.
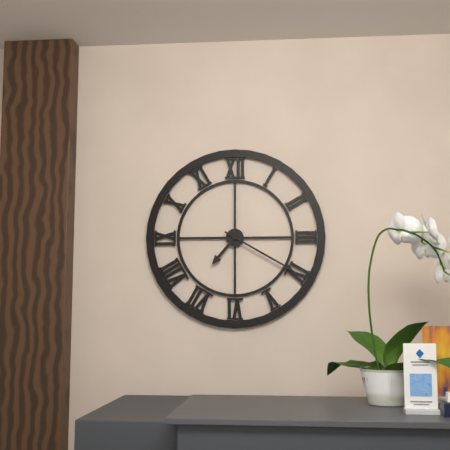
7 h 20 min
